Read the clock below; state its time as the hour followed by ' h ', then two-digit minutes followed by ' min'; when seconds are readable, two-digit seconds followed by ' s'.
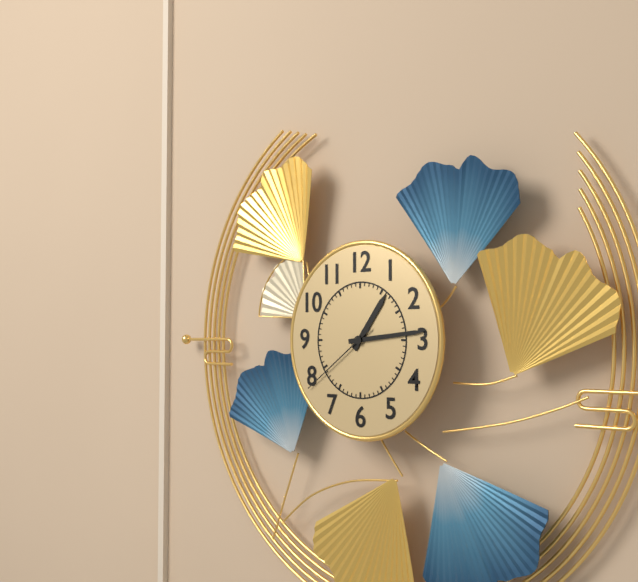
1 h 14 min 39 s
